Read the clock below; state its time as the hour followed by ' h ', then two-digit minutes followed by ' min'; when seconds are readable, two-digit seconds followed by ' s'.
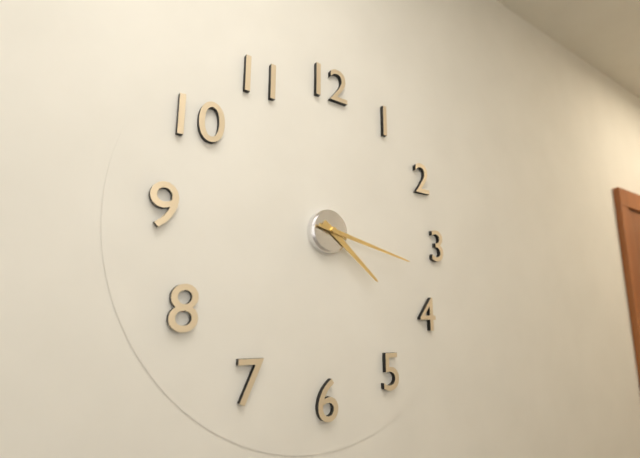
4 h 17 min
